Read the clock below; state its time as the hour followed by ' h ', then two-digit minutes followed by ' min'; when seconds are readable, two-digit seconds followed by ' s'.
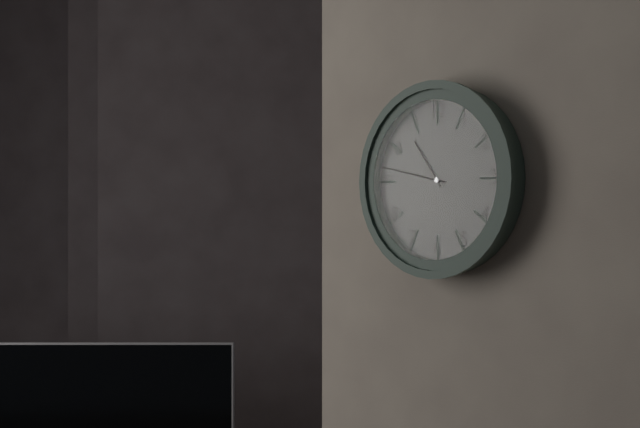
10 h 47 min
